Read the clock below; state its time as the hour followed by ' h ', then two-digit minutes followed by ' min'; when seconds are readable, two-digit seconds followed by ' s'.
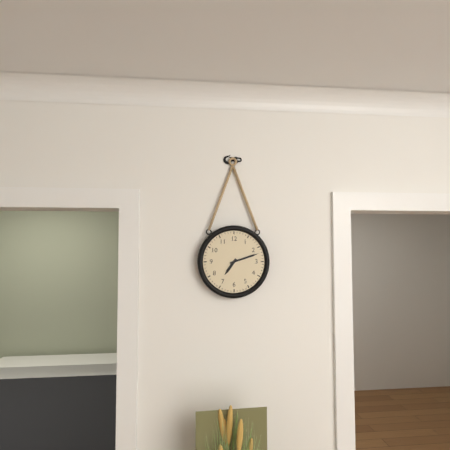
7 h 12 min
